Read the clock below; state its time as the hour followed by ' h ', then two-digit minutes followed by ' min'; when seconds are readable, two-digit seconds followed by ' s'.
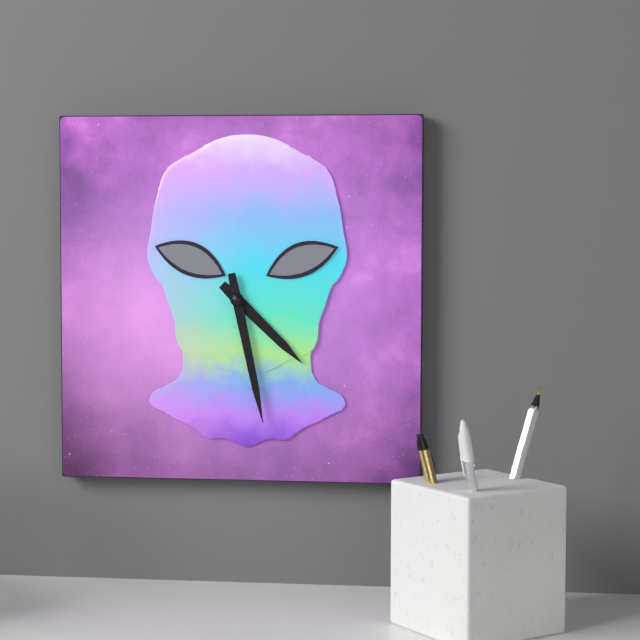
4 h 28 min
